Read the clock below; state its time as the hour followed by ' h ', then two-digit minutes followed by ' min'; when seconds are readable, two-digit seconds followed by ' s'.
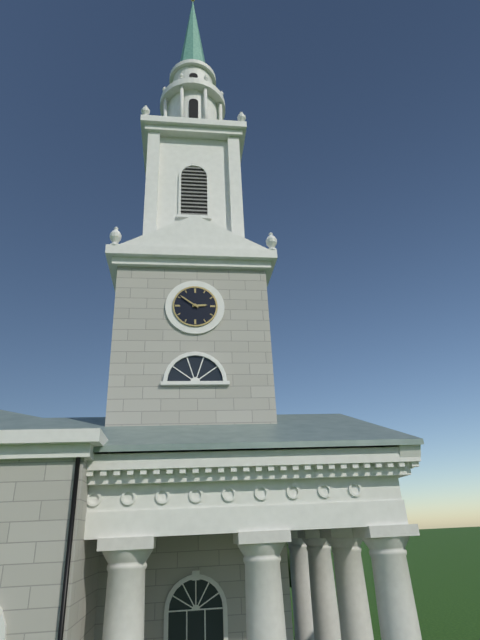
2 h 51 min
